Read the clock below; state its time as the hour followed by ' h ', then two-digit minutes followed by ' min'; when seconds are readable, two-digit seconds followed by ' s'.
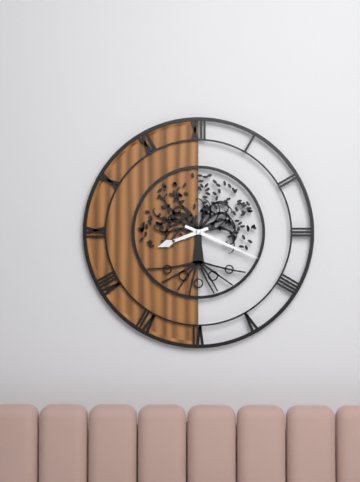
8 h 19 min
